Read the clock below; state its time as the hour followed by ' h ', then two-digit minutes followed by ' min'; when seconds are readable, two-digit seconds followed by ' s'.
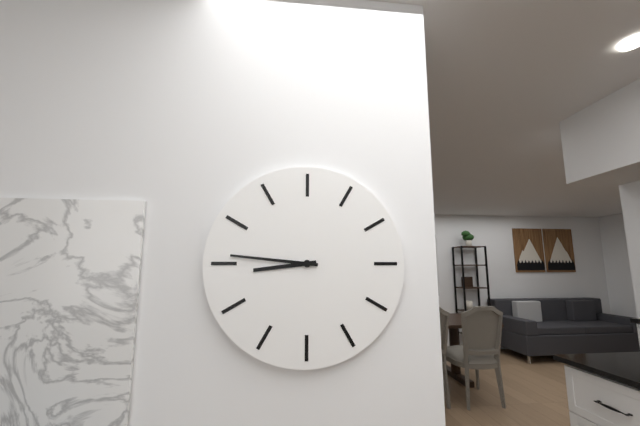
8 h 46 min
